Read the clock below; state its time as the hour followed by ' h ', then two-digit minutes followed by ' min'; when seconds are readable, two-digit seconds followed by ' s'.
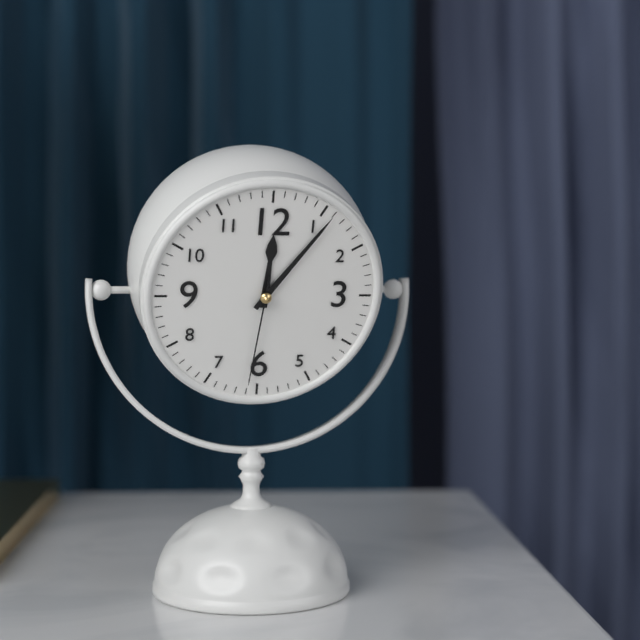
12 h 06 min 31 s
